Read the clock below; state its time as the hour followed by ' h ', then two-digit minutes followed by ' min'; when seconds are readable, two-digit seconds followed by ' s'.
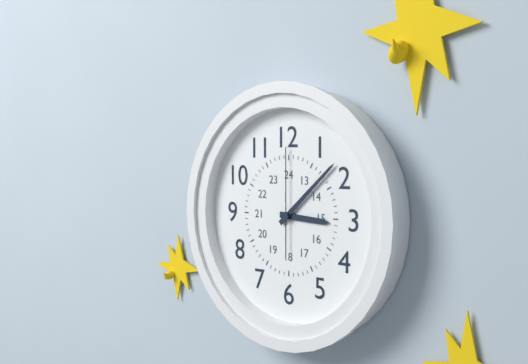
3 h 08 min 00 s
